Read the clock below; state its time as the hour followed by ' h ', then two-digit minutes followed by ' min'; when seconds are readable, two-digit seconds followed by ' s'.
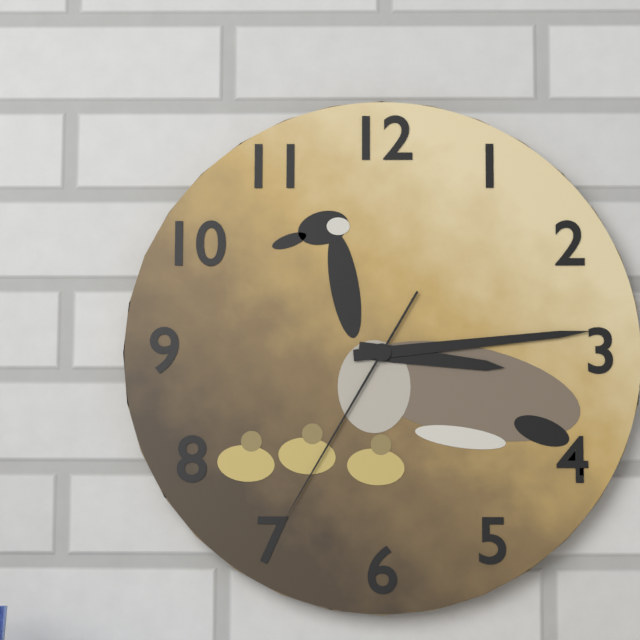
3 h 14 min 35 s
